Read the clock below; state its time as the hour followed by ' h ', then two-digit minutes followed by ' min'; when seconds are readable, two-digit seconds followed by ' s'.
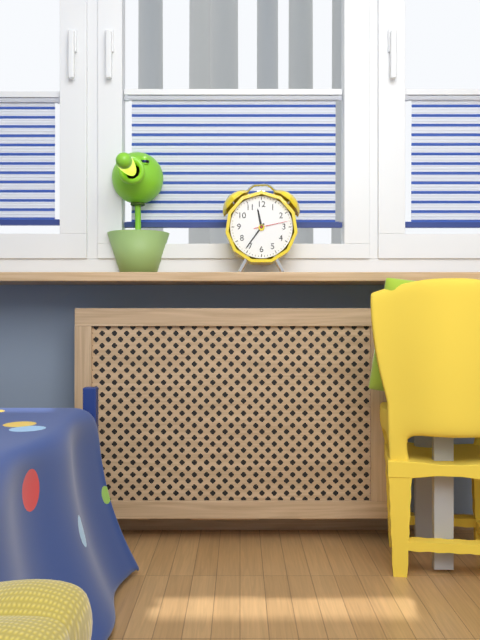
11 h 36 min
